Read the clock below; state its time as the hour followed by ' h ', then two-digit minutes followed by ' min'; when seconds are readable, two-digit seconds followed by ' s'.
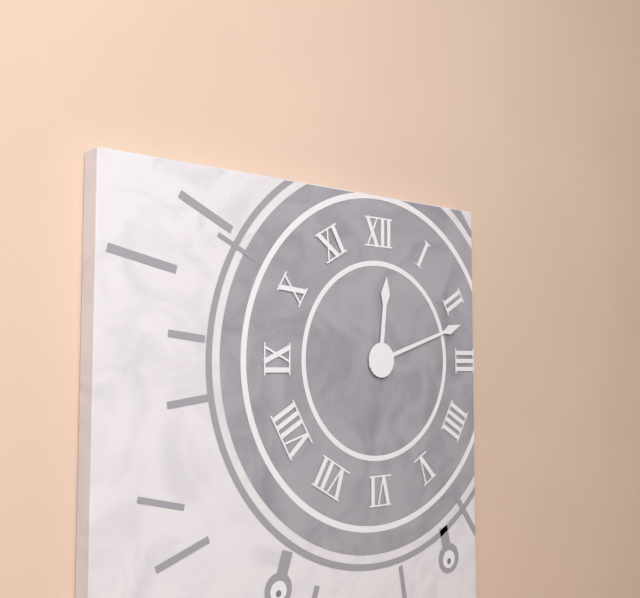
12 h 12 min
